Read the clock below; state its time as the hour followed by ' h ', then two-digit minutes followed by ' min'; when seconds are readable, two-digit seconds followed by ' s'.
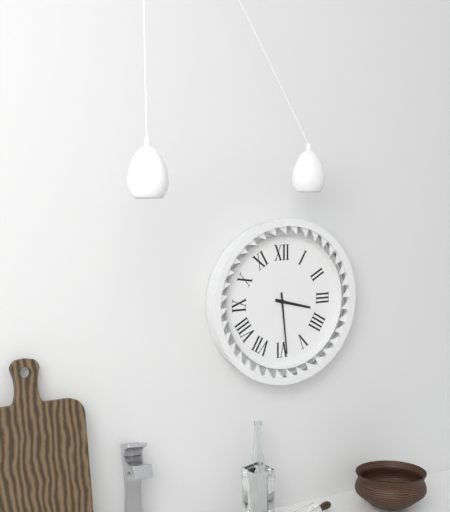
3 h 29 min
